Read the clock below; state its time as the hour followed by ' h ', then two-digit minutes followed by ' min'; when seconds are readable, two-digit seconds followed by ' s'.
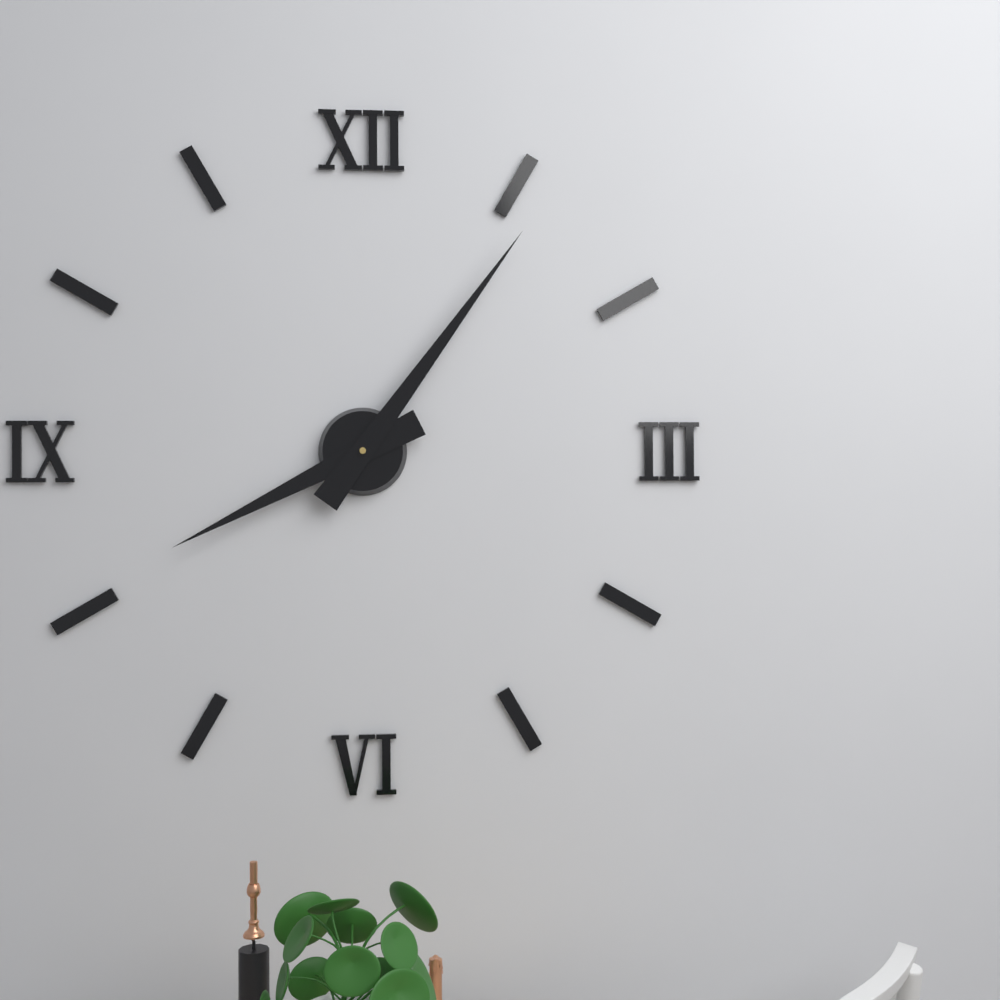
8 h 06 min
